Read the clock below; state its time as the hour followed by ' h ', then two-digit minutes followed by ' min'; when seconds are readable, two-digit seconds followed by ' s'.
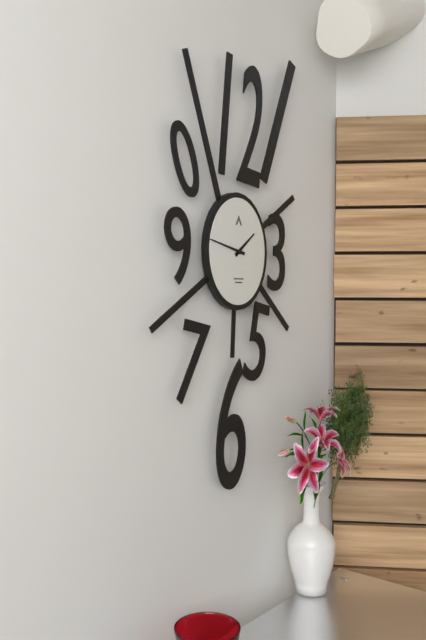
1 h 47 min
